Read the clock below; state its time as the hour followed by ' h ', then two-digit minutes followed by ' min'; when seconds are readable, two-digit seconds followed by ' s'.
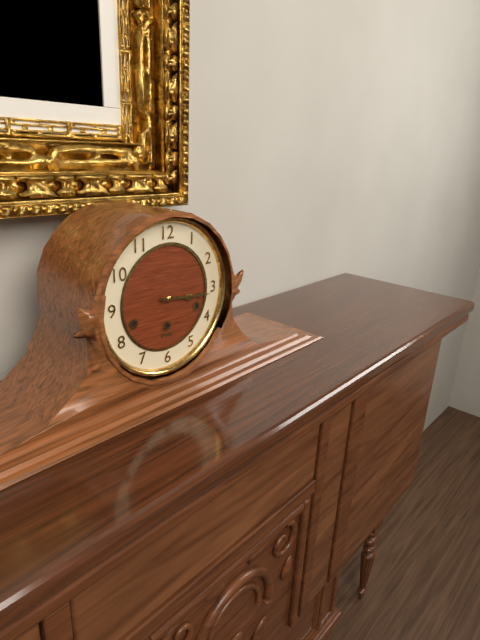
3 h 16 min
